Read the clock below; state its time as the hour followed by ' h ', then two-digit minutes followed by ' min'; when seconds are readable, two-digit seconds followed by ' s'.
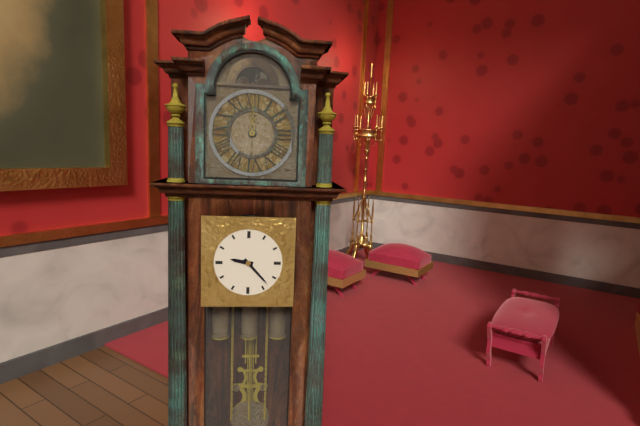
9 h 23 min
